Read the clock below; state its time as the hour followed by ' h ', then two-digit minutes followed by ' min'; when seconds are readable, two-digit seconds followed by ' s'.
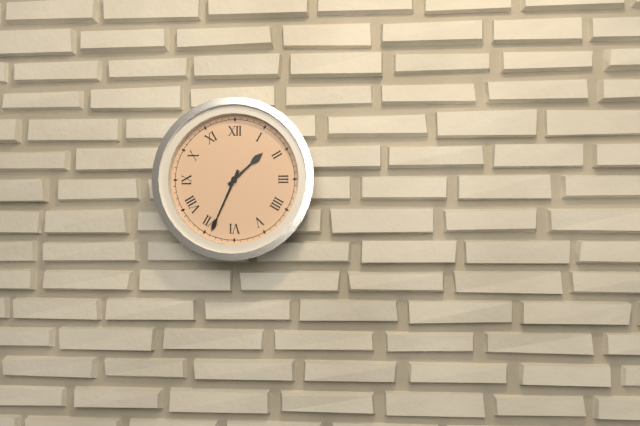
1 h 34 min
